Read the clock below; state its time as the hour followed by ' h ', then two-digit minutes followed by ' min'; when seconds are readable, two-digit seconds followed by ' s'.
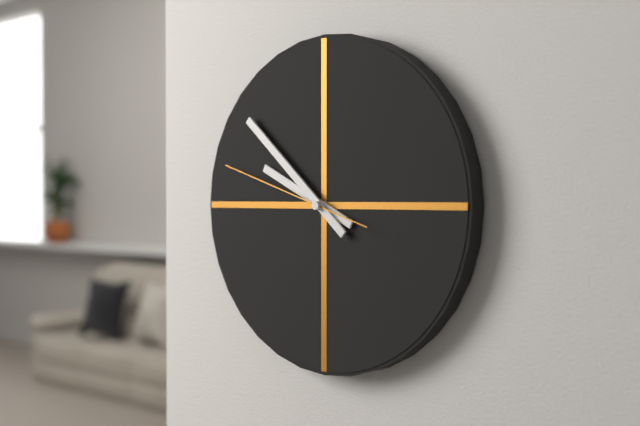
9 h 52 min 48 s
